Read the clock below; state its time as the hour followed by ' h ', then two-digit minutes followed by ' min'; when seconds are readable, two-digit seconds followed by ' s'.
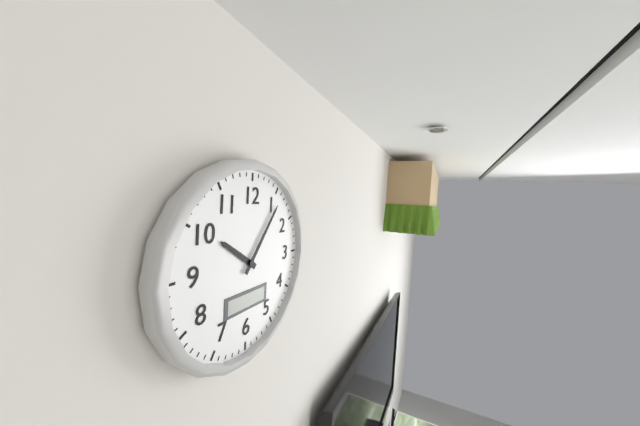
10 h 06 min
